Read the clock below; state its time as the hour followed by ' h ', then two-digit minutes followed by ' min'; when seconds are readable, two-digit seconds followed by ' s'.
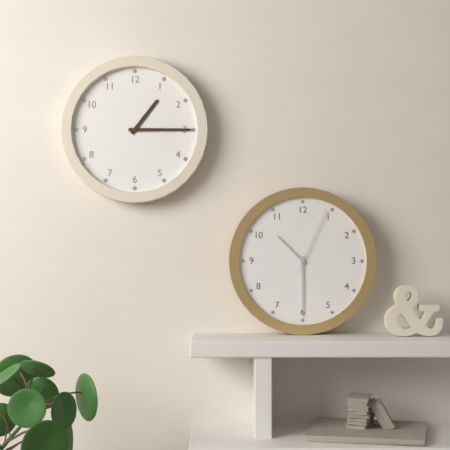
1 h 15 min
